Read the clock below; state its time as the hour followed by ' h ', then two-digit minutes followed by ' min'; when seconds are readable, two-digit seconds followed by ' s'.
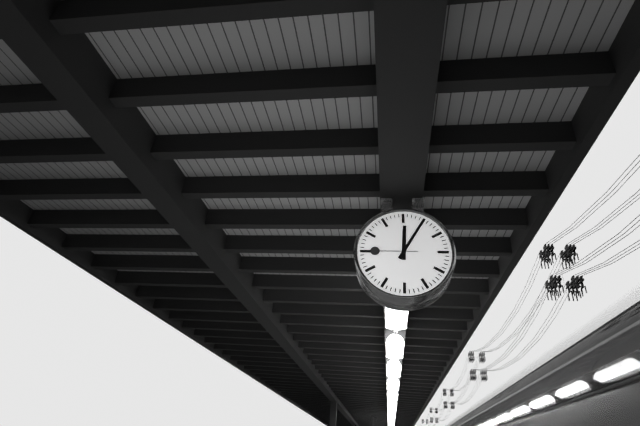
12 h 05 min
